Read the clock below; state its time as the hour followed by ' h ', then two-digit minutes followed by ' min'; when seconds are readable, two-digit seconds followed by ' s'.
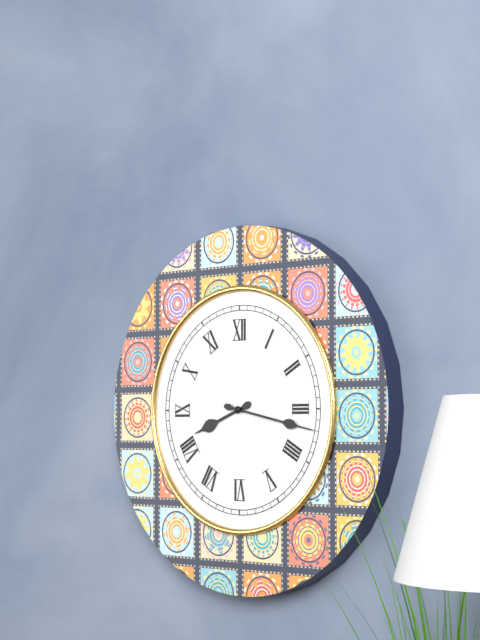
8 h 17 min
